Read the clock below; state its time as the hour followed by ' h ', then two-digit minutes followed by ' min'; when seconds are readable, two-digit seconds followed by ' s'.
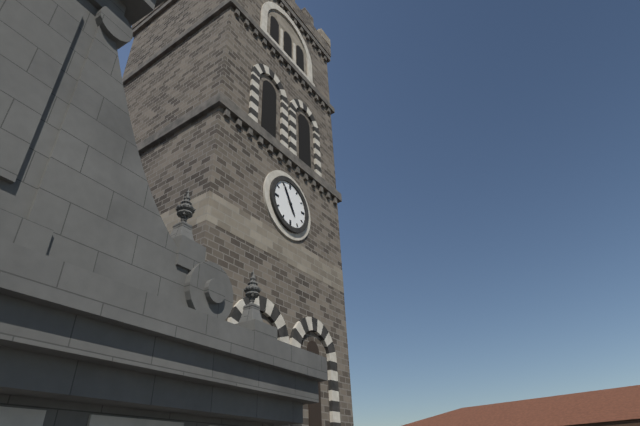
4 h 55 min
